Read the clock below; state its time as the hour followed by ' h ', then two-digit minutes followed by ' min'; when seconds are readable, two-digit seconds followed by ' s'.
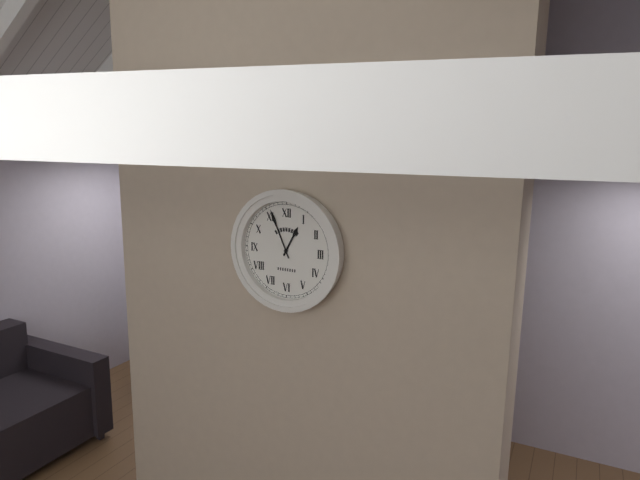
12 h 56 min
